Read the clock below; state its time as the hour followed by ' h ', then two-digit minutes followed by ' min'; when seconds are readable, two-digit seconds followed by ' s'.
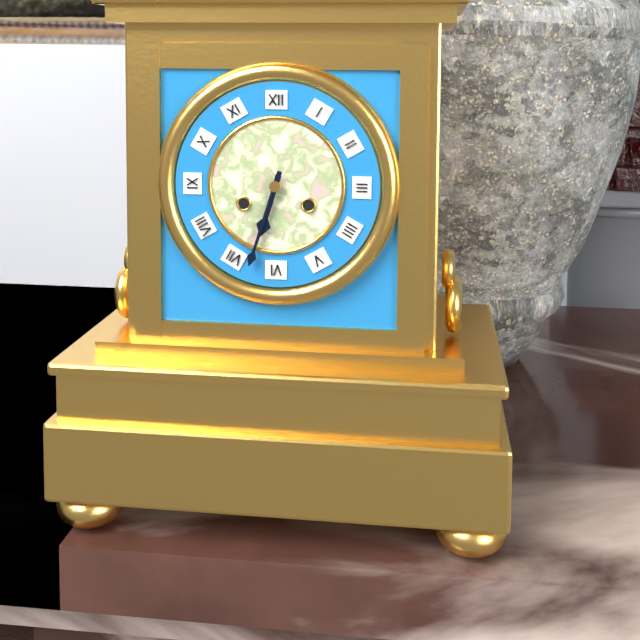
6 h 33 min
